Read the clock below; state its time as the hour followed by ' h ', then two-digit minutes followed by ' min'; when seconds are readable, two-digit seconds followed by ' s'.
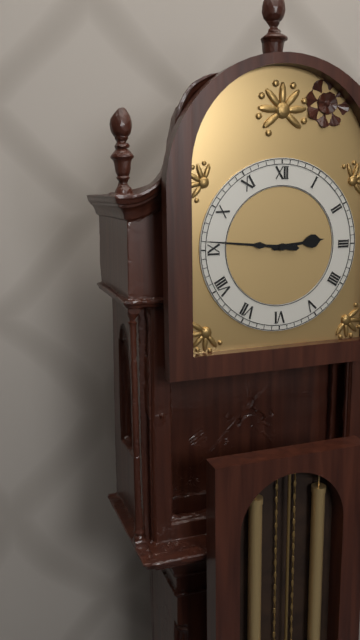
2 h 46 min
